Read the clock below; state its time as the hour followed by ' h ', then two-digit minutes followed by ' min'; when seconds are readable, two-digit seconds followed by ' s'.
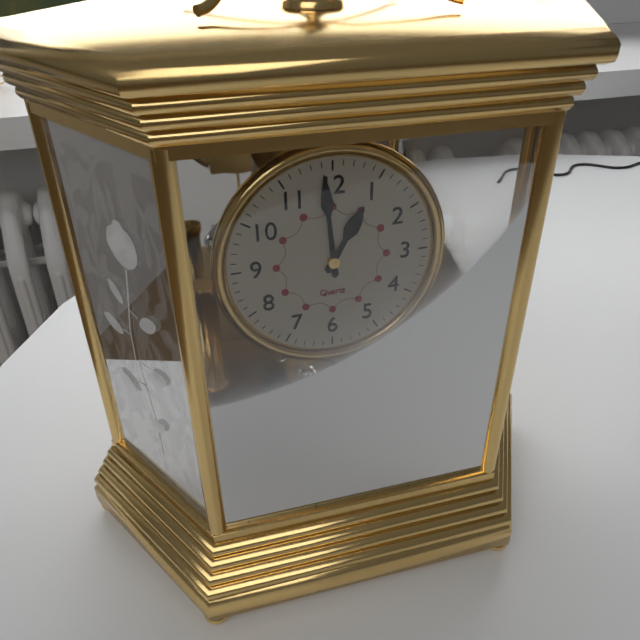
12 h 59 min
